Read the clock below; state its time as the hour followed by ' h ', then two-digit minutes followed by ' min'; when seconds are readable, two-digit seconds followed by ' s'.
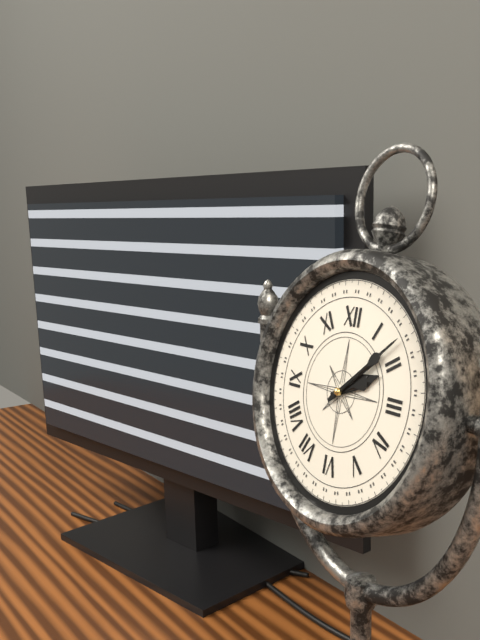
2 h 08 min
